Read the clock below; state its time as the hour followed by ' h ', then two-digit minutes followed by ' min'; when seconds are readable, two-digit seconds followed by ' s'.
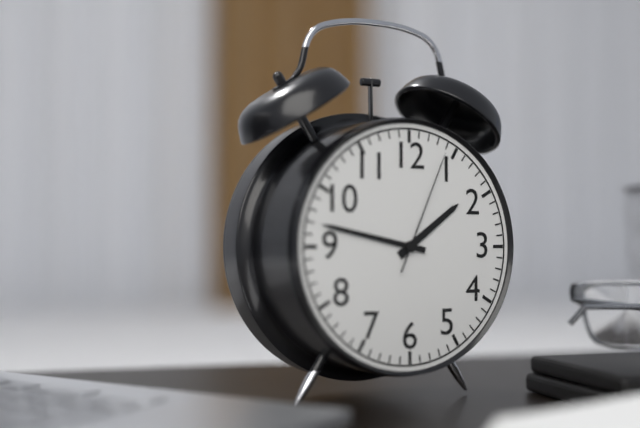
1 h 47 min 04 s
